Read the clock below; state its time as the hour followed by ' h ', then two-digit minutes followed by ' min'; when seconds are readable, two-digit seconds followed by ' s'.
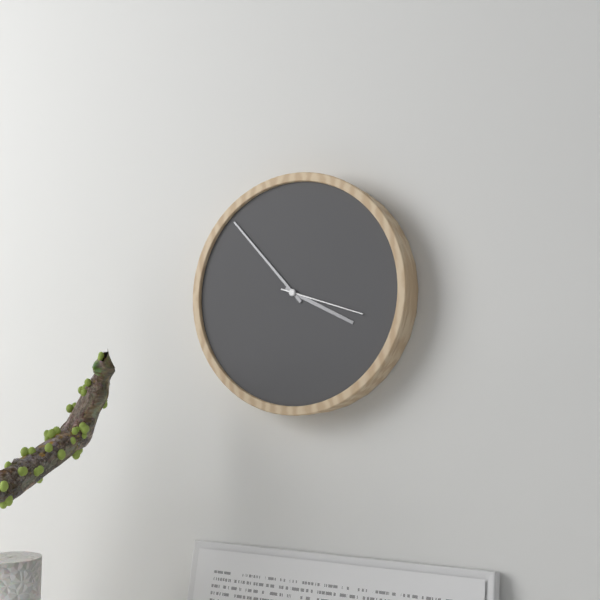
3 h 53 min 18 s
